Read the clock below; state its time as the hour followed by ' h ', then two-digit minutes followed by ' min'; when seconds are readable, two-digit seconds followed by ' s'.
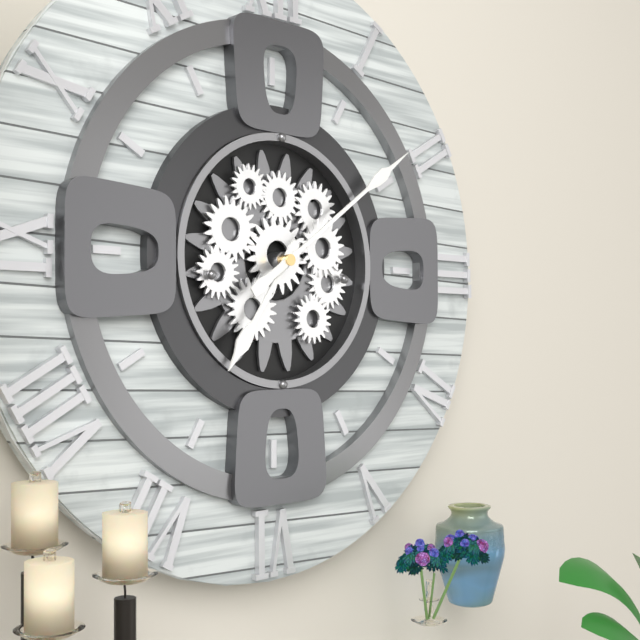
7 h 09 min
